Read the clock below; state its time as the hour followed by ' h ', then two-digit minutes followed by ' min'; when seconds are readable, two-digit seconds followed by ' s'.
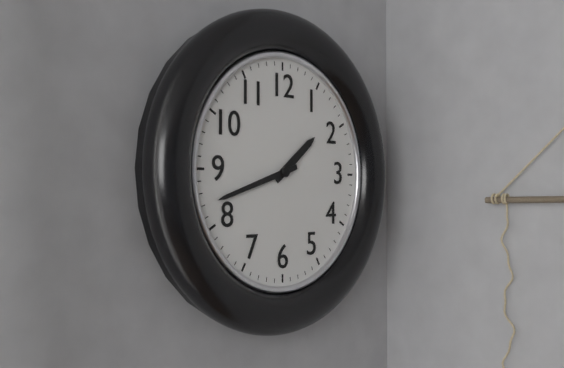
1 h 42 min
